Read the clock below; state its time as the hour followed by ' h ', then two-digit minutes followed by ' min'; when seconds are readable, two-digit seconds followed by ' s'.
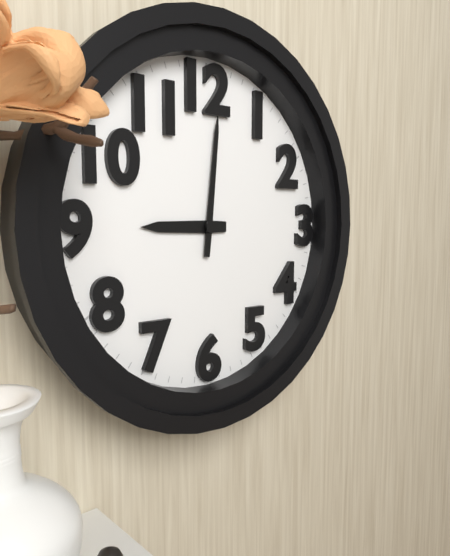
9 h 01 min
